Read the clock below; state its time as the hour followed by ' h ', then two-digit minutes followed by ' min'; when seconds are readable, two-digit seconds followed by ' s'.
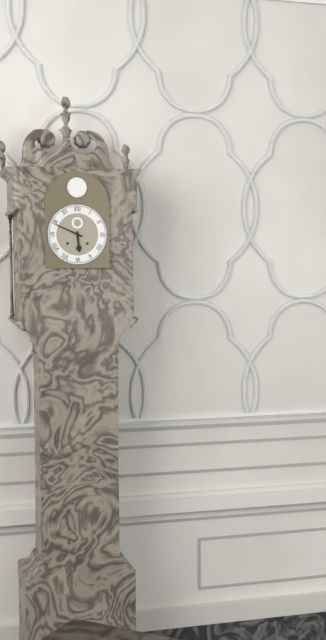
5 h 49 min
